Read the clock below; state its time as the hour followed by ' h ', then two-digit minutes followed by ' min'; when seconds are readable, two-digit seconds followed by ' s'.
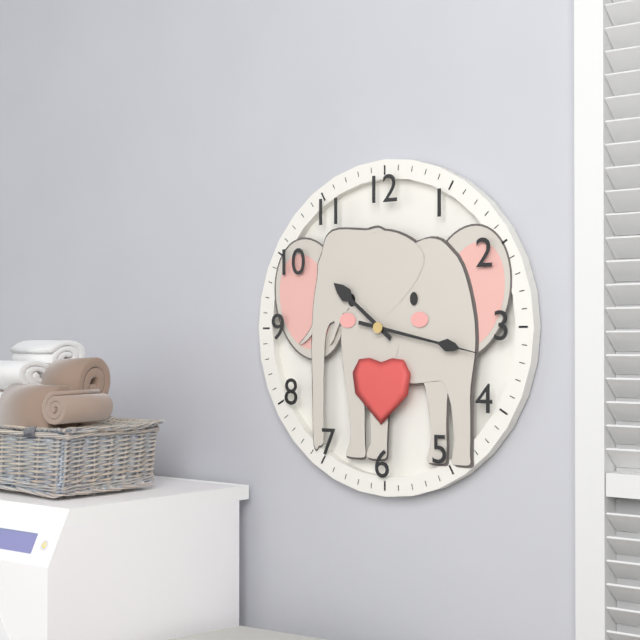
10 h 17 min
